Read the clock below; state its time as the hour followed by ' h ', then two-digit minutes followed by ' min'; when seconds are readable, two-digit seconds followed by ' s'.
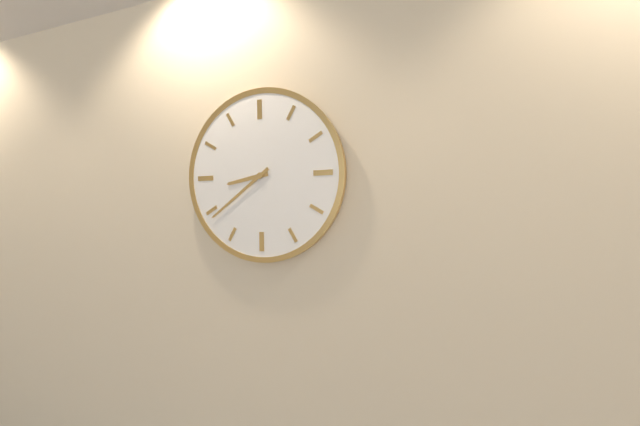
8 h 39 min
